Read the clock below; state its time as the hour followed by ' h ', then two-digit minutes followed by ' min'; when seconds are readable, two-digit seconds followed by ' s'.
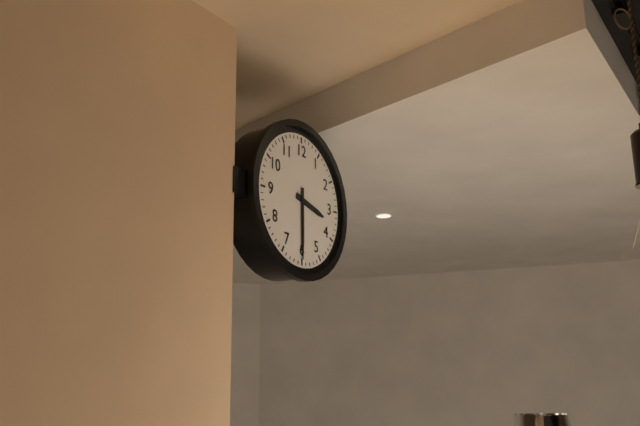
3 h 30 min
